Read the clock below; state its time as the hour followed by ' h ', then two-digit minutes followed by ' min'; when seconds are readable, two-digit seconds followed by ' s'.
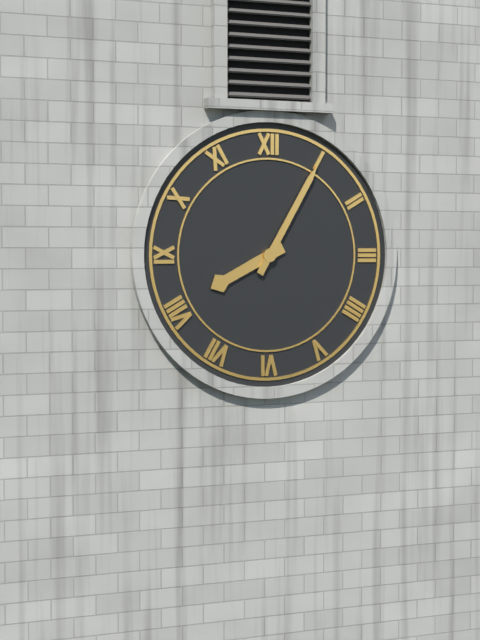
8 h 05 min
